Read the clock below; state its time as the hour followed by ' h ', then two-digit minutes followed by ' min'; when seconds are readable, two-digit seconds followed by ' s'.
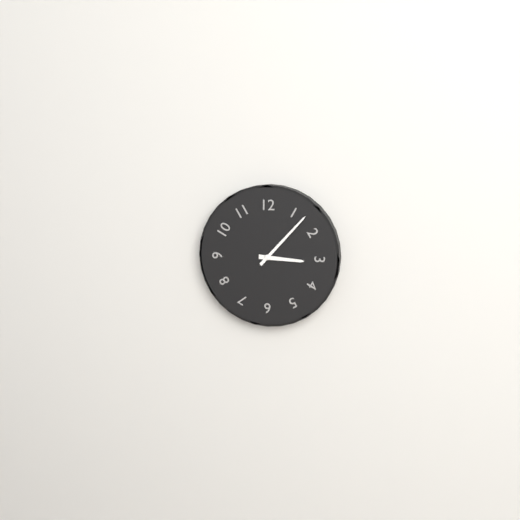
3 h 07 min
